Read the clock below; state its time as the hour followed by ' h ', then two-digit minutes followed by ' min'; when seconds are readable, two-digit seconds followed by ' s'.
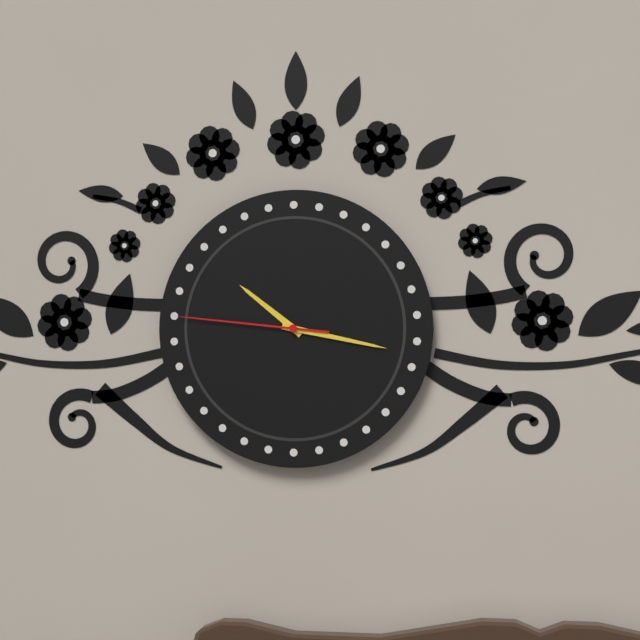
10 h 17 min 46 s
